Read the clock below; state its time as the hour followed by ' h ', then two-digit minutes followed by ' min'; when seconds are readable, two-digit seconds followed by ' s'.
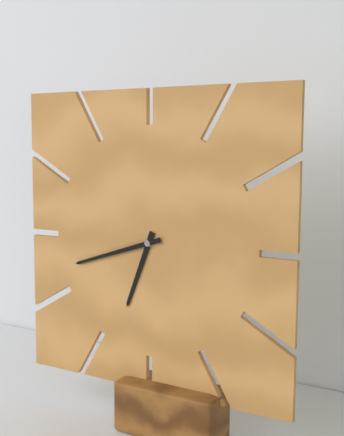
6 h 42 min
